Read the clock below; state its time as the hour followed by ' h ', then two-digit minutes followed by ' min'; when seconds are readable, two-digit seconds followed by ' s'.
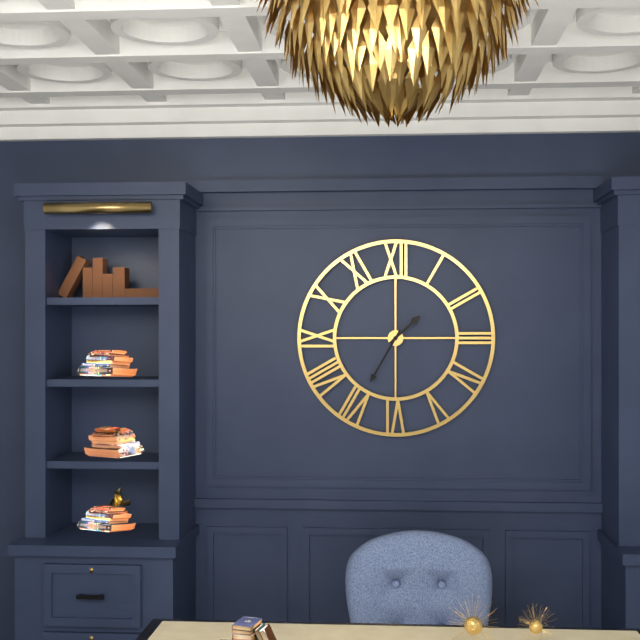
1 h 35 min
